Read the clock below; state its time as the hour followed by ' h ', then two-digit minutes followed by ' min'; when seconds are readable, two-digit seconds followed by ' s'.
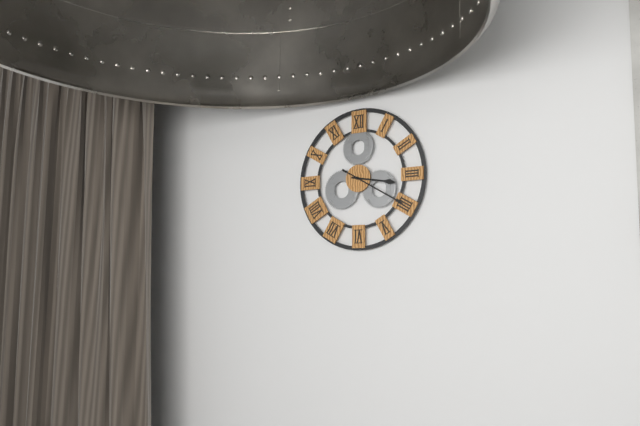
3 h 20 min
